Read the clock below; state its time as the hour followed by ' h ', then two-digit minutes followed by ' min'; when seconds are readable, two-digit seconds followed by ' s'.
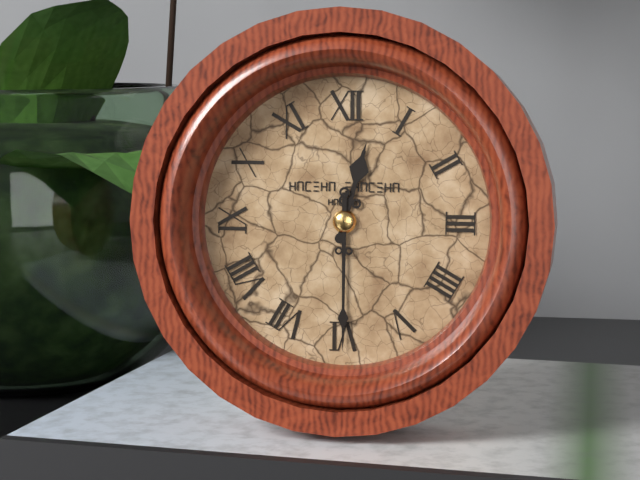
12 h 30 min
